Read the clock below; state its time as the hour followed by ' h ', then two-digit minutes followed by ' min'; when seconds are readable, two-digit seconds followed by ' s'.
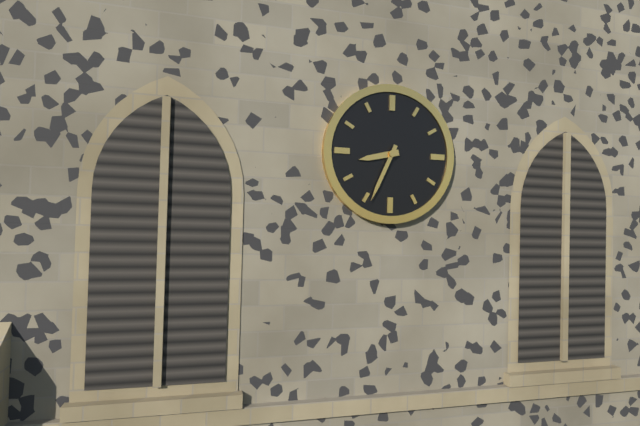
8 h 34 min
